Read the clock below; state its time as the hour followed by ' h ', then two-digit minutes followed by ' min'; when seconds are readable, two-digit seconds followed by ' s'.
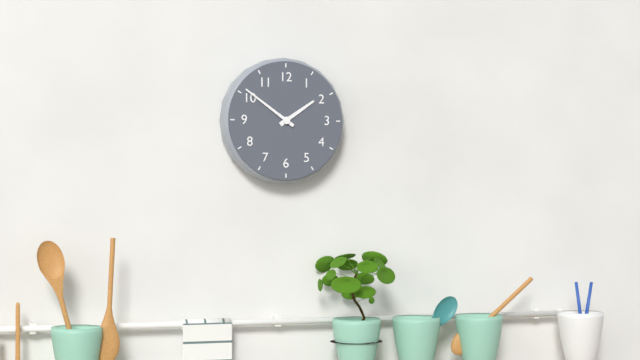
1 h 51 min
